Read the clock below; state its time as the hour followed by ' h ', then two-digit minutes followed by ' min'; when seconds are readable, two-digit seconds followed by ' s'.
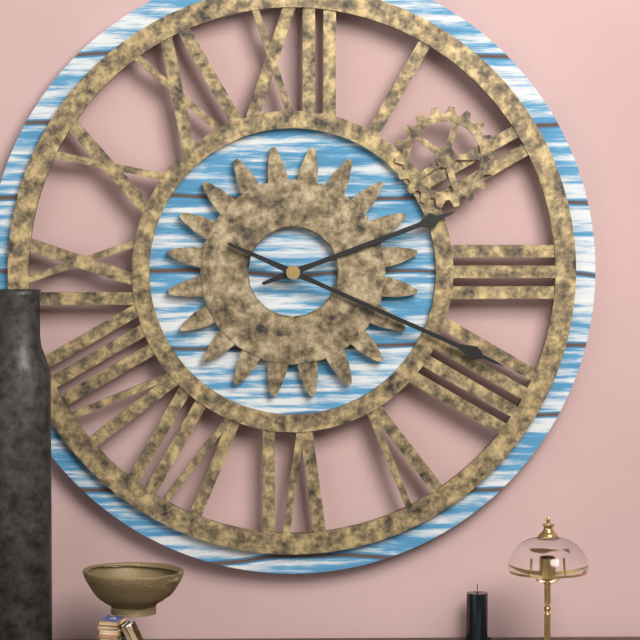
2 h 19 min
